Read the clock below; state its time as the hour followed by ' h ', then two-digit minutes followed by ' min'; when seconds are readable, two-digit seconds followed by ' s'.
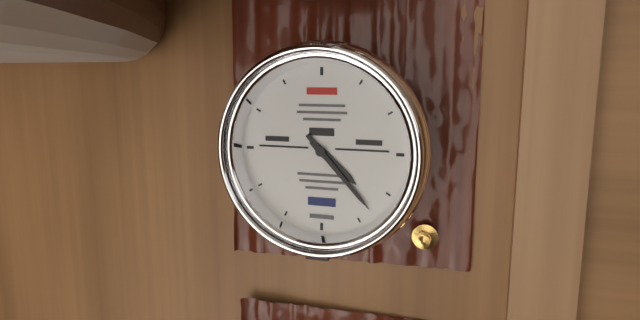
4 h 23 min
